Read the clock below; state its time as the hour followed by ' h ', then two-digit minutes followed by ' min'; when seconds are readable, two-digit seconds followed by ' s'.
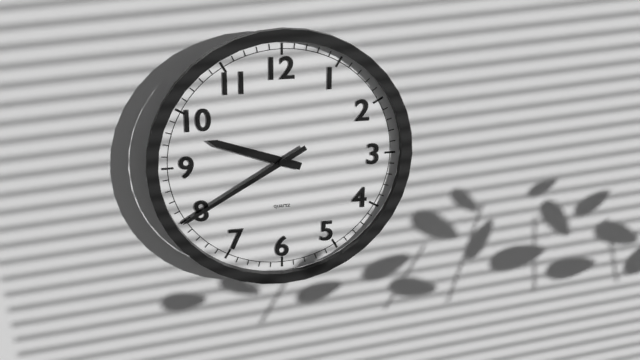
9 h 40 min
